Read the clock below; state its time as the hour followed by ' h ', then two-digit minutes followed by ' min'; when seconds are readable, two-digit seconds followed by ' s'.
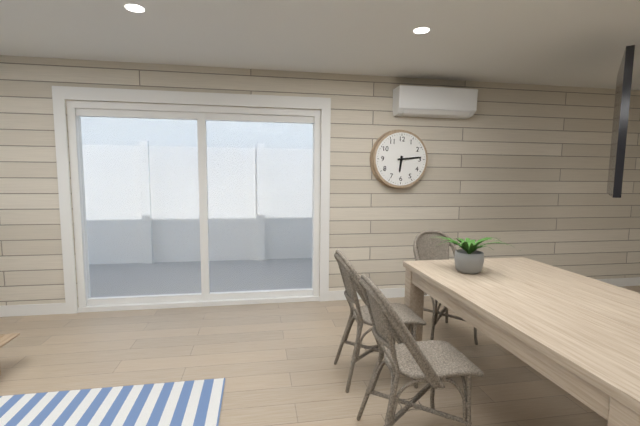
6 h 14 min
